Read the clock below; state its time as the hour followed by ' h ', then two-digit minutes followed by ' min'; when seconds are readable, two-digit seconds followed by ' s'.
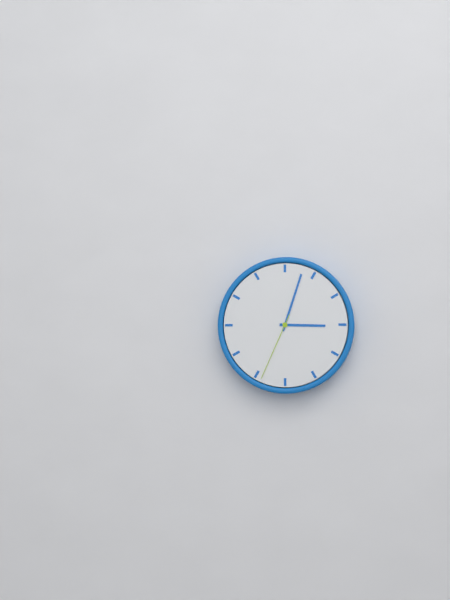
3 h 03 min 34 s
